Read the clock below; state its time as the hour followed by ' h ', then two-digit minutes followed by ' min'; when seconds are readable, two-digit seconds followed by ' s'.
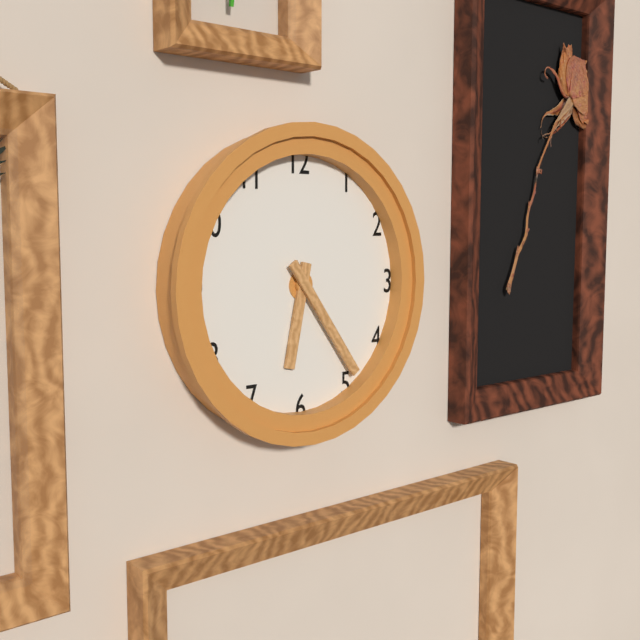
6 h 24 min
